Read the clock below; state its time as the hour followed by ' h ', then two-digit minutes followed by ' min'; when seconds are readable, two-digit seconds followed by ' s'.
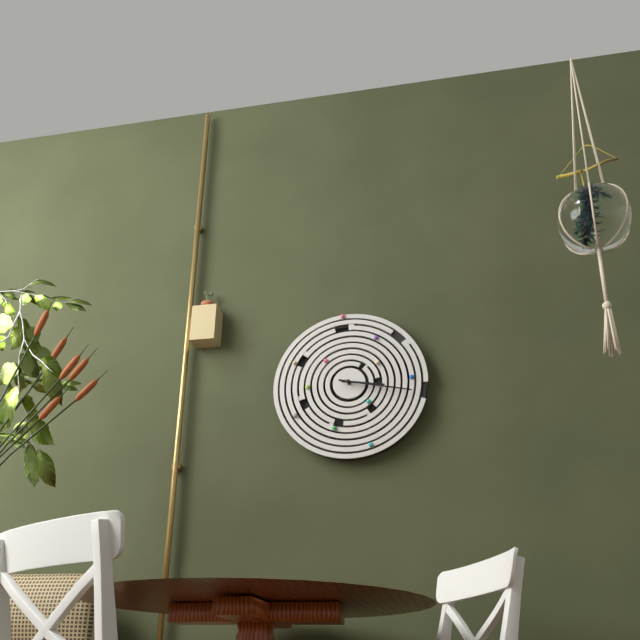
3 h 17 min
